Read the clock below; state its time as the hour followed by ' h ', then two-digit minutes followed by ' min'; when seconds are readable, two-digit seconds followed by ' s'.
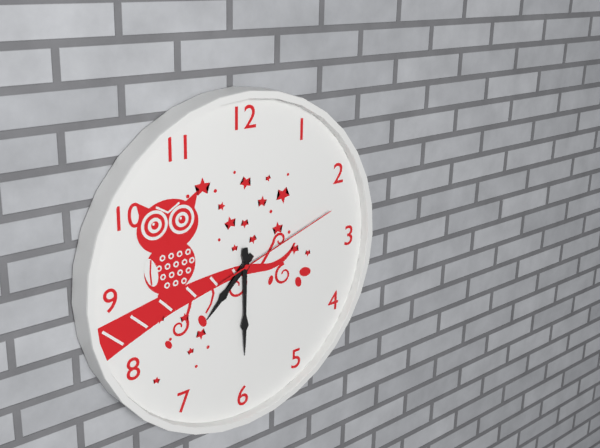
7 h 30 min 12 s
